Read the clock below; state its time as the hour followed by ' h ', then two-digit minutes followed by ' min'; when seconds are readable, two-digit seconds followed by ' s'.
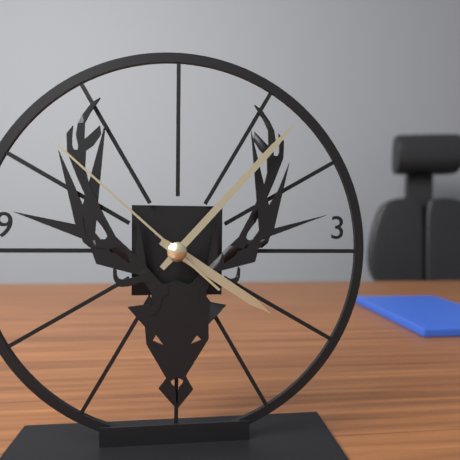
4 h 07 min 52 s
